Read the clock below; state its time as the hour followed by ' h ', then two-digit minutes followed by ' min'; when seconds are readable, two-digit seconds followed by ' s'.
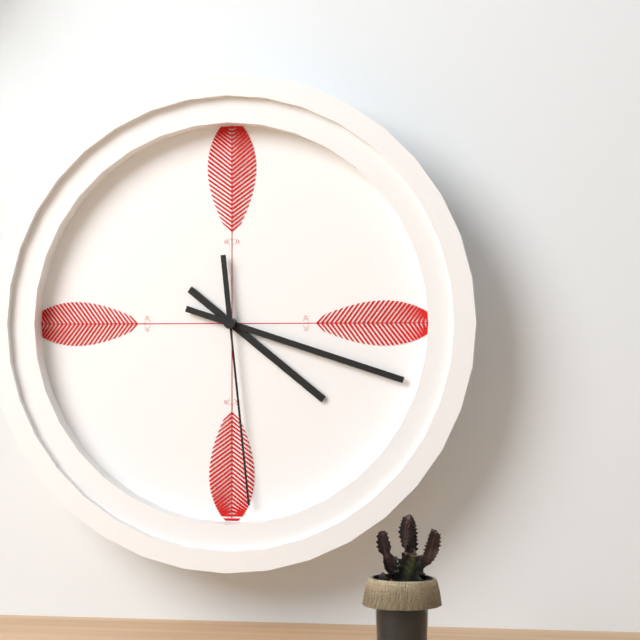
4 h 18 min 29 s
